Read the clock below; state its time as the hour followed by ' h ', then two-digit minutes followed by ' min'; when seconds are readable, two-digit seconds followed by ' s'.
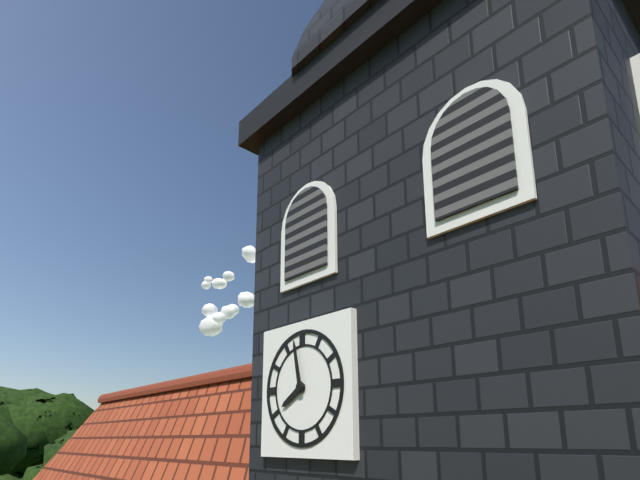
7 h 58 min
